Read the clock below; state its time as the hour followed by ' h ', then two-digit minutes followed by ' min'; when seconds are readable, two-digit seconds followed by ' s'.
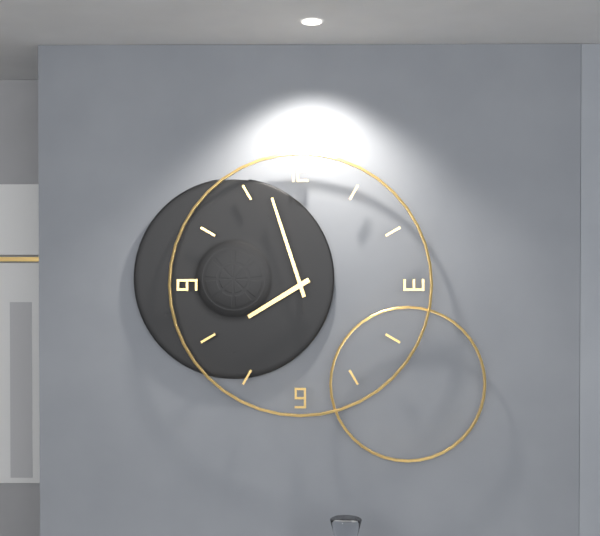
7 h 57 min
